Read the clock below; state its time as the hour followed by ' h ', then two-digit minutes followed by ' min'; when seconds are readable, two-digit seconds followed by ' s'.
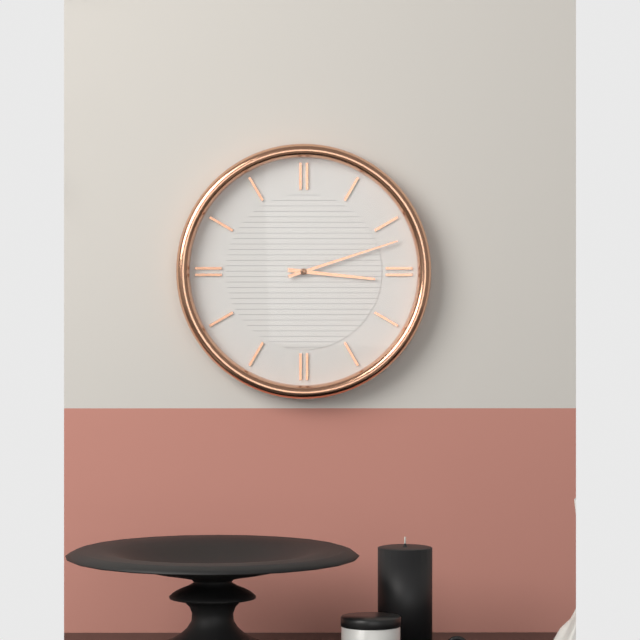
3 h 12 min
